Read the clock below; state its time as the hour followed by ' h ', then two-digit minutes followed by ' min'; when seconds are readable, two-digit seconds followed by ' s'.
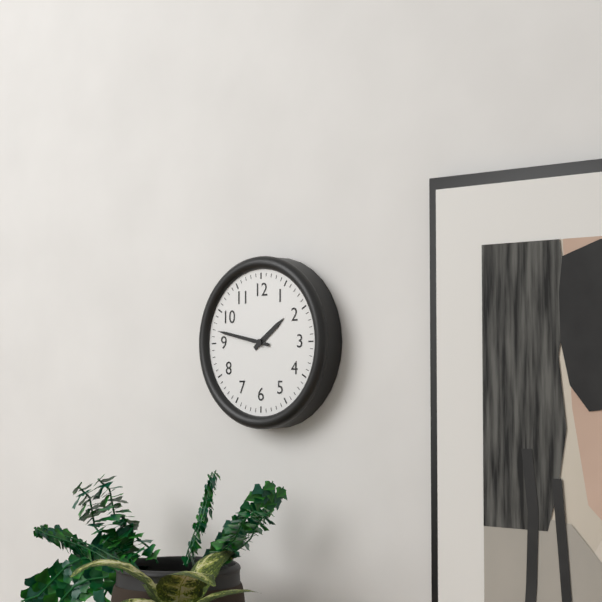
1 h 47 min
